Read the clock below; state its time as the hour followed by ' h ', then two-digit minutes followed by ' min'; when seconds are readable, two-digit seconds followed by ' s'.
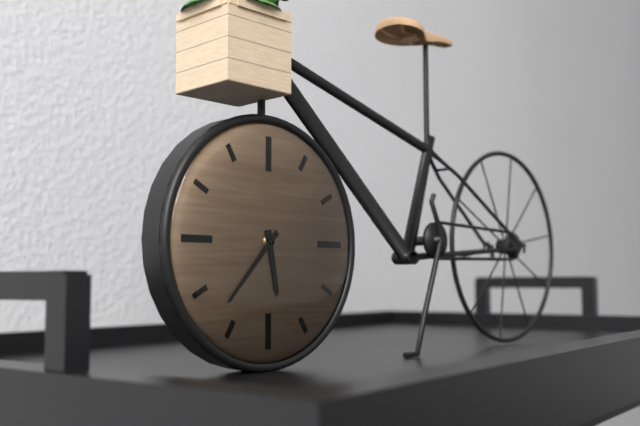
5 h 37 min
